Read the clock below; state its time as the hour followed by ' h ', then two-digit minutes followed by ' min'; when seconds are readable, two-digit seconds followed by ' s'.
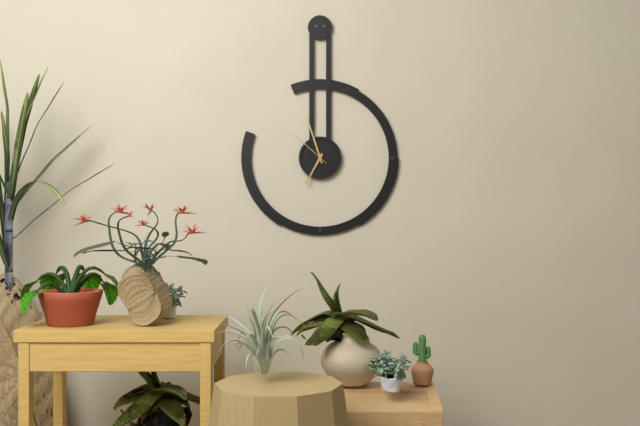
6 h 57 min
